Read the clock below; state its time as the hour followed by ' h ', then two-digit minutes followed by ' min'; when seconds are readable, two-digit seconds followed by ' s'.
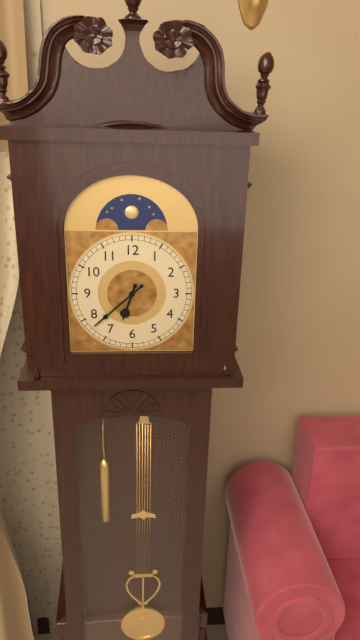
6 h 38 min
